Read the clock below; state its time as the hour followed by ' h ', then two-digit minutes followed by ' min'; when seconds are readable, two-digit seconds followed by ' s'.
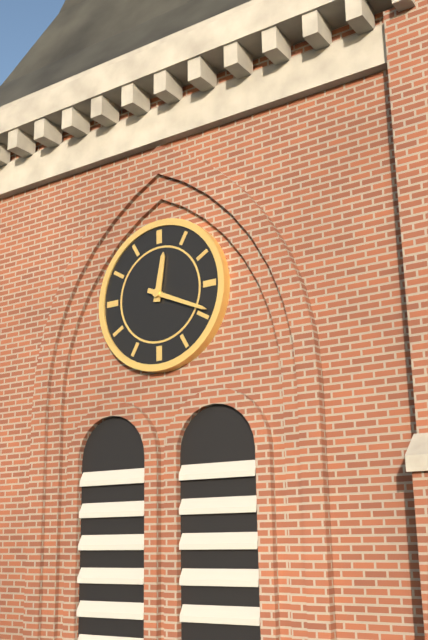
12 h 19 min
